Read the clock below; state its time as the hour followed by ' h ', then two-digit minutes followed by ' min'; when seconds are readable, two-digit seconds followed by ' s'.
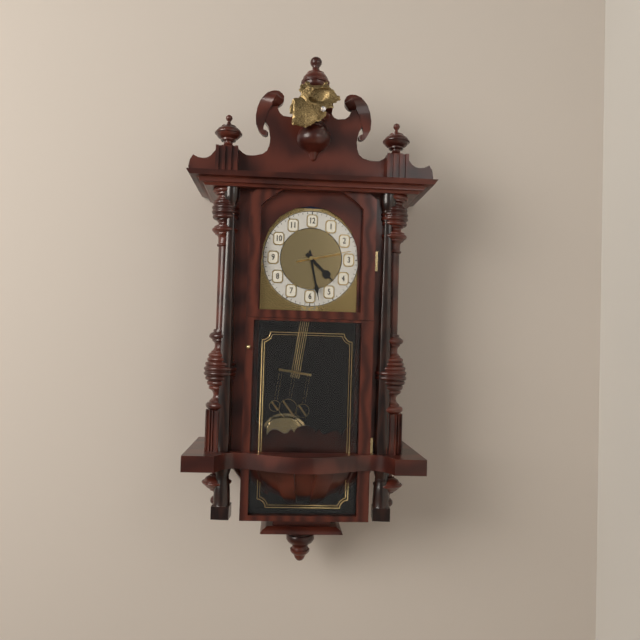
4 h 28 min 13 s
